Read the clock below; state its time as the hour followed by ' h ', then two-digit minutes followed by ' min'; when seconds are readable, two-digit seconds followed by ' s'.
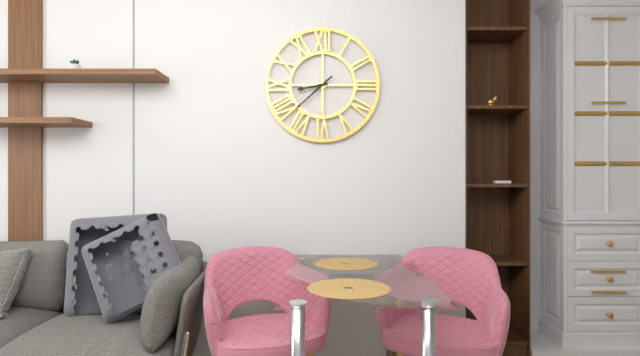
8 h 38 min
